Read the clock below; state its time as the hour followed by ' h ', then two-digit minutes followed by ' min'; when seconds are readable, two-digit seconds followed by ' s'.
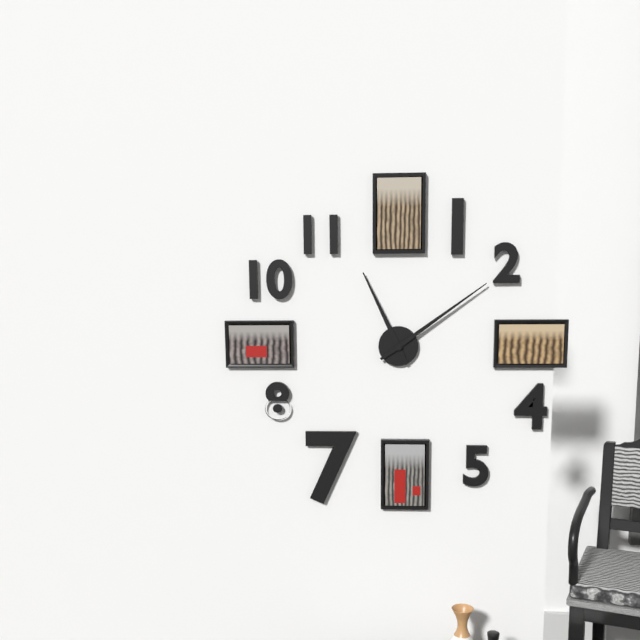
11 h 09 min
